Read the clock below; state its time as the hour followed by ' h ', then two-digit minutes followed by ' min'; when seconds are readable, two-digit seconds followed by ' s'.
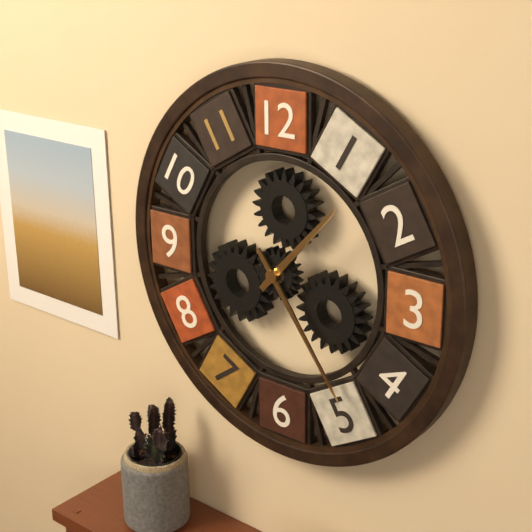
1 h 24 min
